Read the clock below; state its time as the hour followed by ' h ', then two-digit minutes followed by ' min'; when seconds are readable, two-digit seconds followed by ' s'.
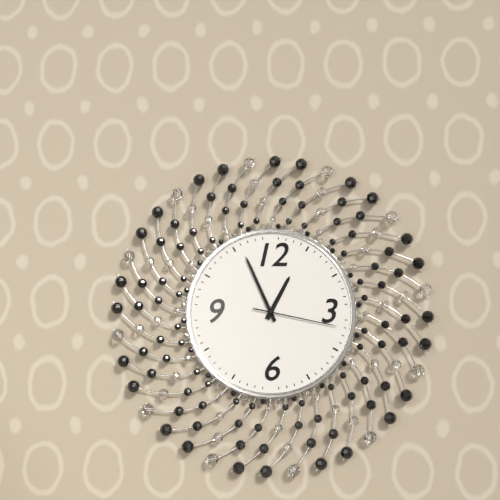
12 h 56 min 17 s
